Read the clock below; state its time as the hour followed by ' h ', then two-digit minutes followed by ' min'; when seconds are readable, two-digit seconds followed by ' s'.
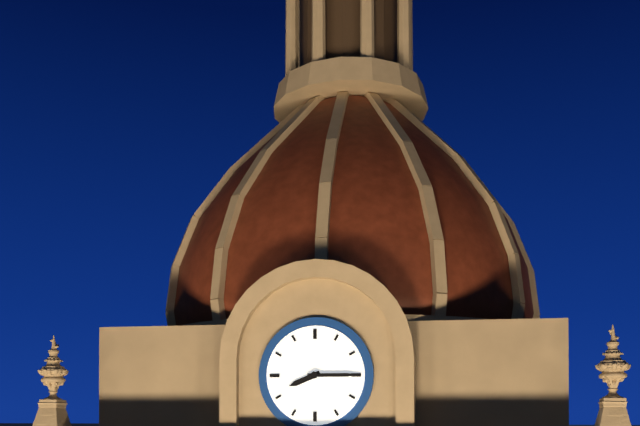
8 h 15 min
